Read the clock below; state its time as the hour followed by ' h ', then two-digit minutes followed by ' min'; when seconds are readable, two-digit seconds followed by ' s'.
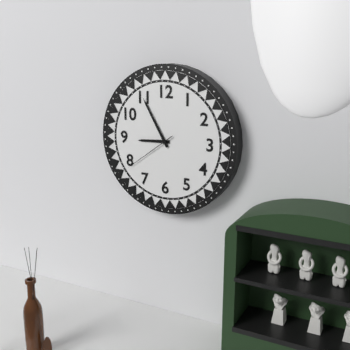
8 h 55 min 39 s
